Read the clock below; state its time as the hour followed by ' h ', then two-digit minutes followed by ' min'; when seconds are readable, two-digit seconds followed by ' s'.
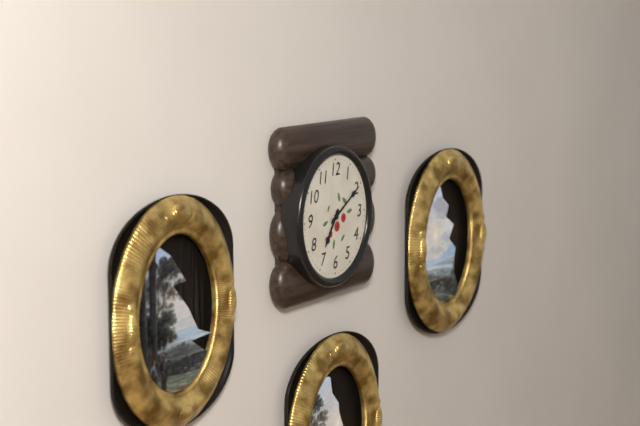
7 h 10 min
